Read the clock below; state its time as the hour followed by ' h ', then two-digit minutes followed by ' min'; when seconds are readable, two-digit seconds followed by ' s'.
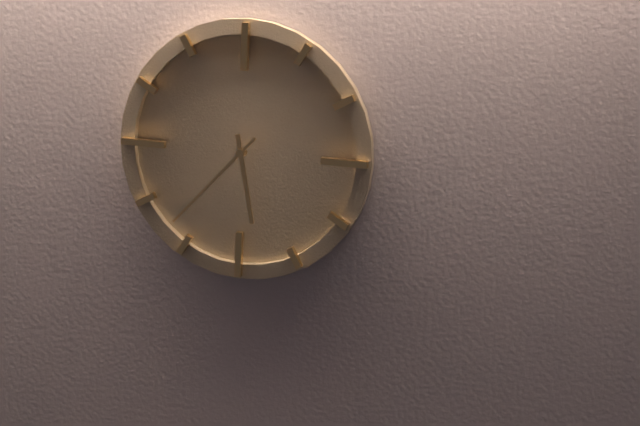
5 h 37 min
